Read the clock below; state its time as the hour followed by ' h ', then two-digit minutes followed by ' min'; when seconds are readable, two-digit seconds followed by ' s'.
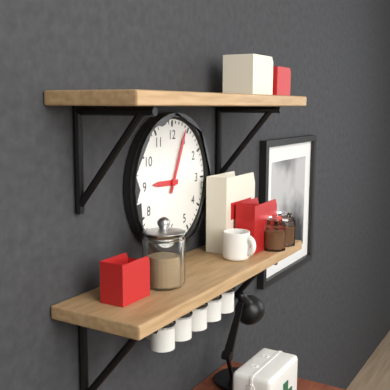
9 h 04 min
